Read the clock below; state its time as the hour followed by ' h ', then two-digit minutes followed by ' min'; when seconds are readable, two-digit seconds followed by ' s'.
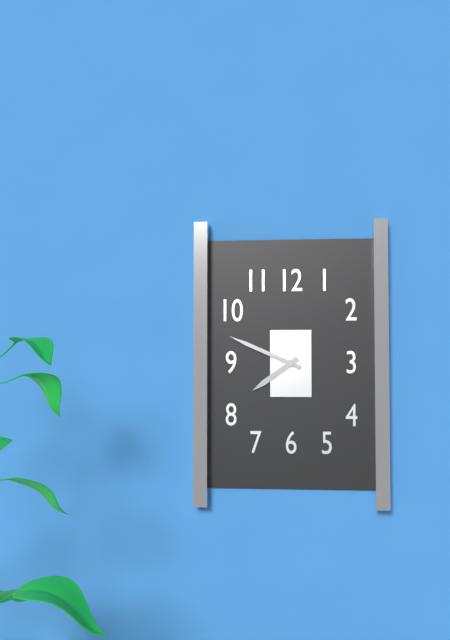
7 h 49 min
